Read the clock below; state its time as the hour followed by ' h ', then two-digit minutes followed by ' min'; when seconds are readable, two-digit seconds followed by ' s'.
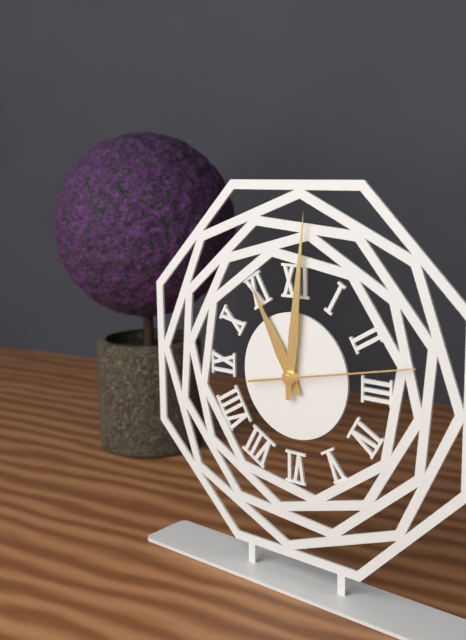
11 h 01 min 13 s
